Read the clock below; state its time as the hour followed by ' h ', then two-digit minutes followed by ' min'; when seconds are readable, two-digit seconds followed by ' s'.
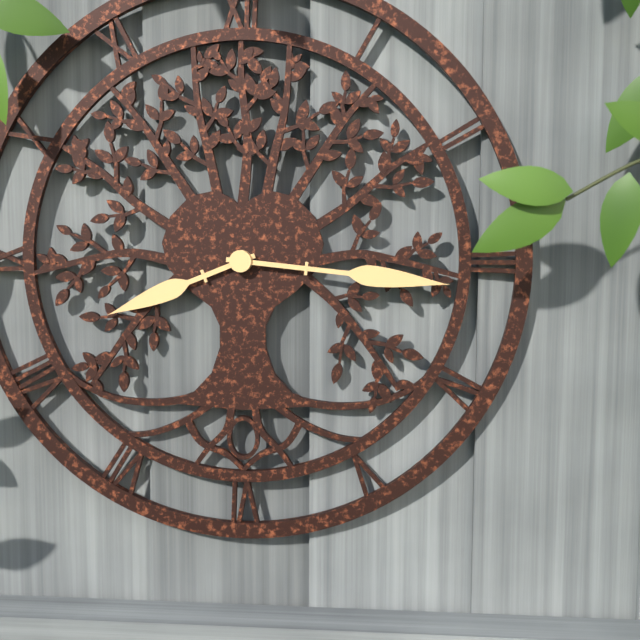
8 h 16 min
